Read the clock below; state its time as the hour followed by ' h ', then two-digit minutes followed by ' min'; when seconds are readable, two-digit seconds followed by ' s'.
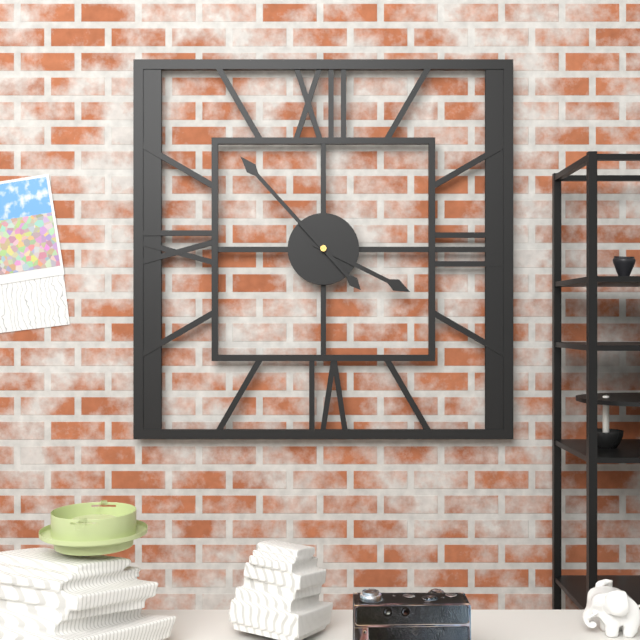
3 h 53 min
